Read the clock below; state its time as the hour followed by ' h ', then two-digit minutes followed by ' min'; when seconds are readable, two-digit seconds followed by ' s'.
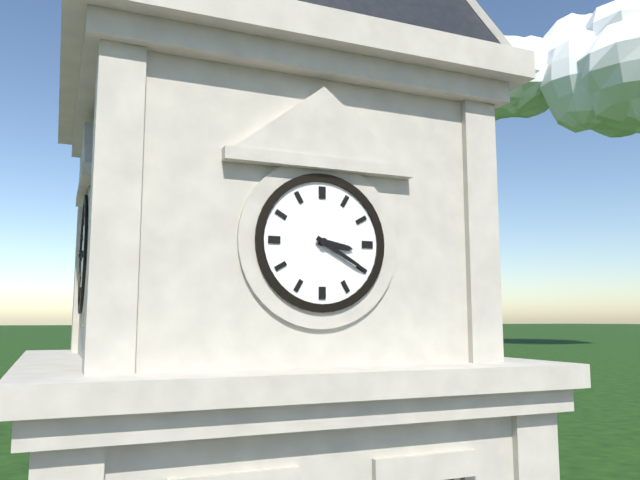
3 h 20 min
